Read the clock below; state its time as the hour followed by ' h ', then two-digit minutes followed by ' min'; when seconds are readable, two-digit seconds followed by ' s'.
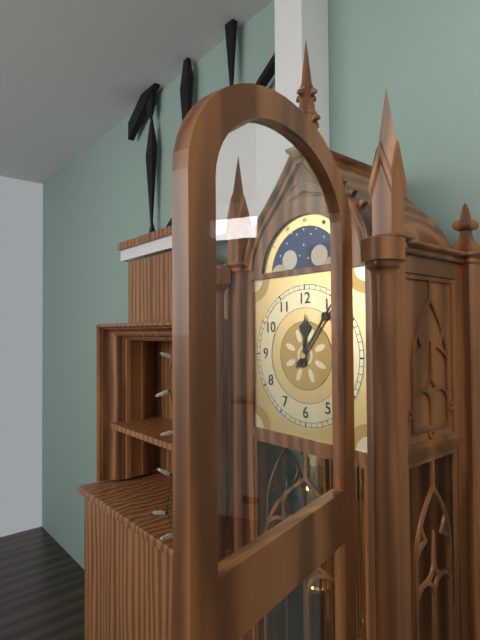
12 h 06 min
